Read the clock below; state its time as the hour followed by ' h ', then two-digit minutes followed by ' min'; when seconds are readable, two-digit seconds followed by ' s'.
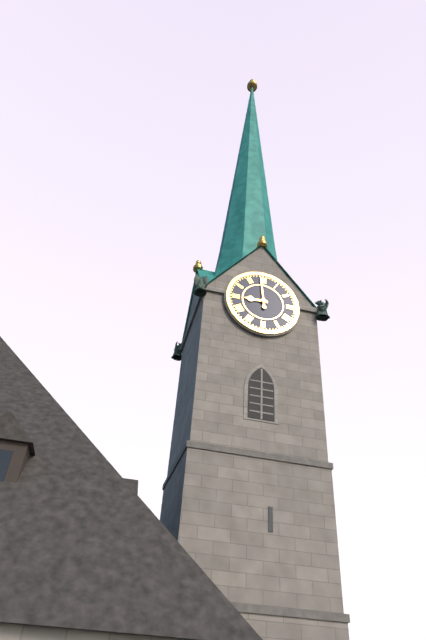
8 h 59 min
